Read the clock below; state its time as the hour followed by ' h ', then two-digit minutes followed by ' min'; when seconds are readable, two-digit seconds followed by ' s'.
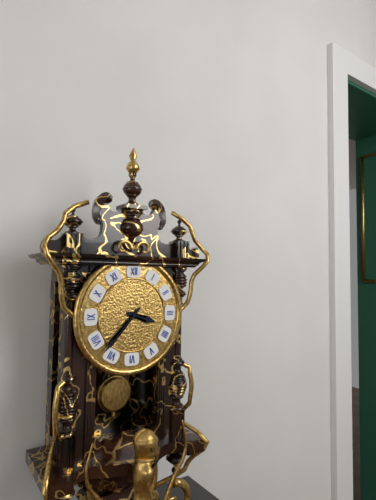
3 h 37 min
